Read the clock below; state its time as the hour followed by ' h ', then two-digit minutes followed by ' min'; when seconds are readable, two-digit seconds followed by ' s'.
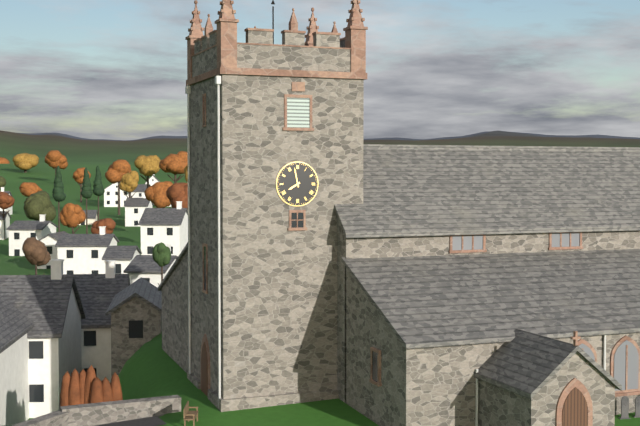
7 h 58 min
